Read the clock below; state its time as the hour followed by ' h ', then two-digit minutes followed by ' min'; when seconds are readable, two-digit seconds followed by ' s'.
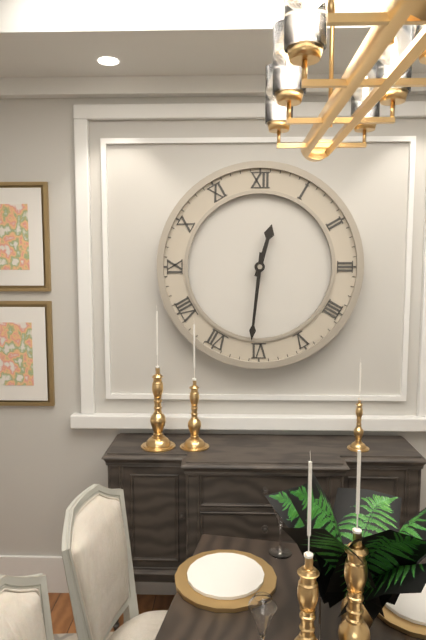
12 h 31 min
